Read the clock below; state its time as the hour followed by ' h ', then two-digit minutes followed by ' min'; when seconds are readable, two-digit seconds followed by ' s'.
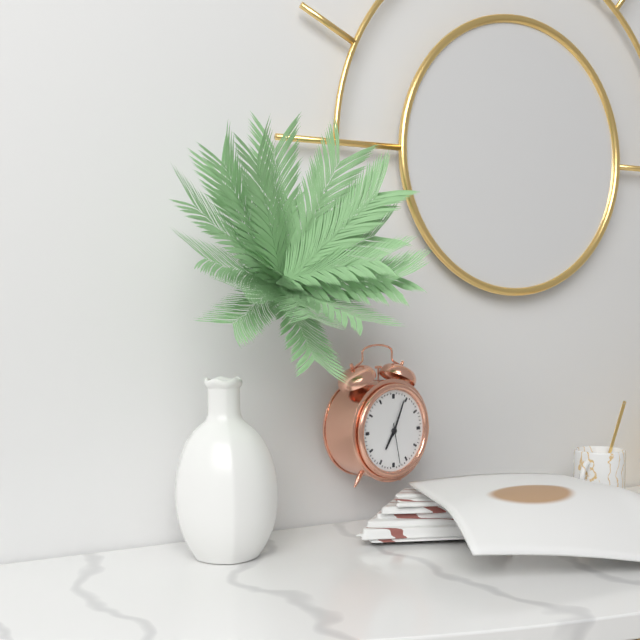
7 h 04 min
